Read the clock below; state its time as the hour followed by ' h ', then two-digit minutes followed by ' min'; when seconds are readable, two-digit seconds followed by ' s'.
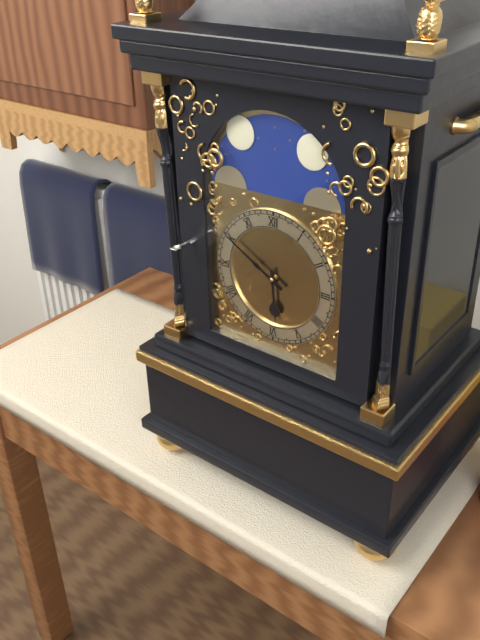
5 h 50 min
